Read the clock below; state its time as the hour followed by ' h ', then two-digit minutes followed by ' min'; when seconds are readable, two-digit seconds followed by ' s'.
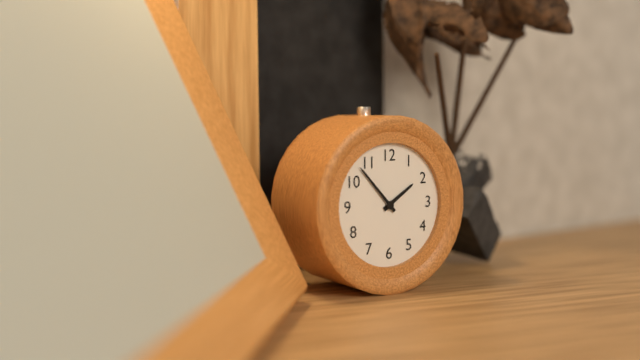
1 h 53 min
